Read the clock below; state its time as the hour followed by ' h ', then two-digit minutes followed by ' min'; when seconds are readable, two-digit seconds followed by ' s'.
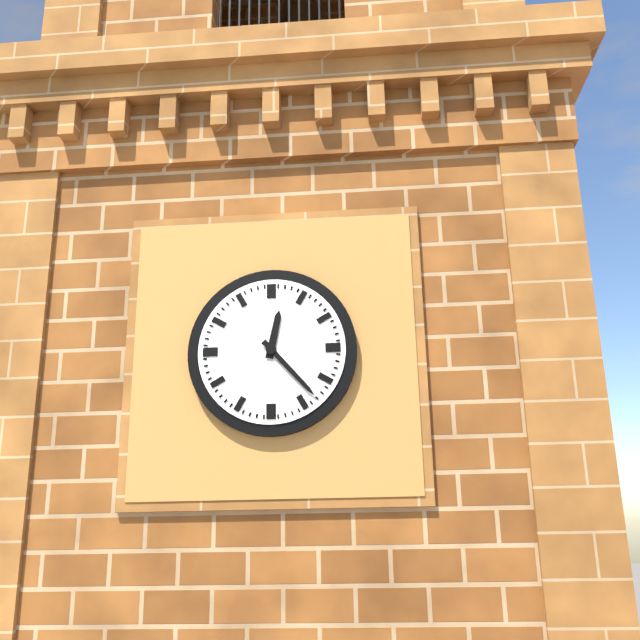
12 h 23 min
